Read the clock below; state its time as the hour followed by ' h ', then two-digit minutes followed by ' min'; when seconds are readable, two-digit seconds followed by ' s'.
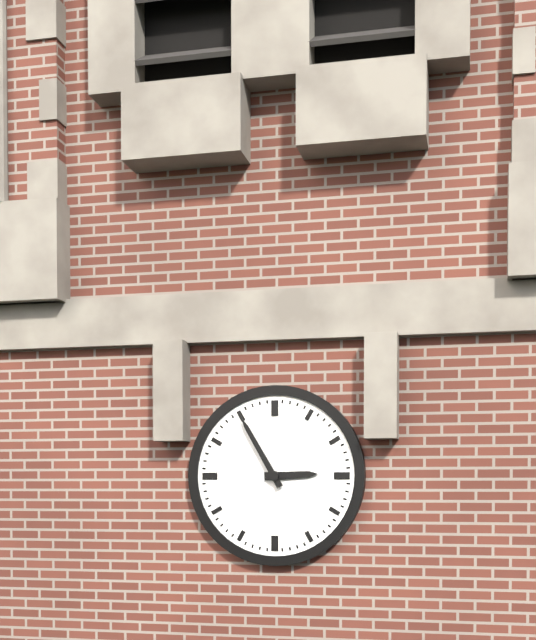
2 h 55 min
